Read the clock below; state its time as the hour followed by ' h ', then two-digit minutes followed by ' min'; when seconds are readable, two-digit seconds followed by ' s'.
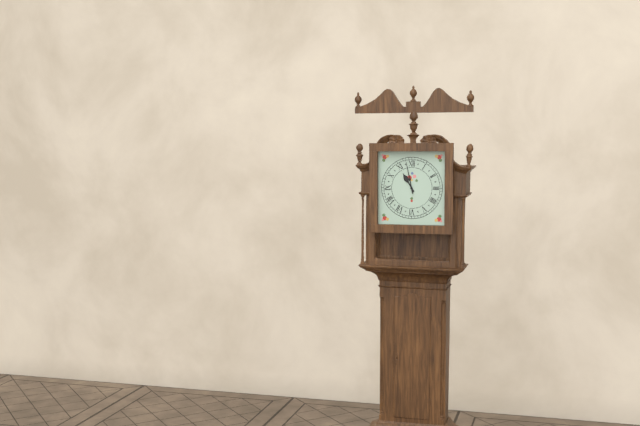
10 h 58 min
